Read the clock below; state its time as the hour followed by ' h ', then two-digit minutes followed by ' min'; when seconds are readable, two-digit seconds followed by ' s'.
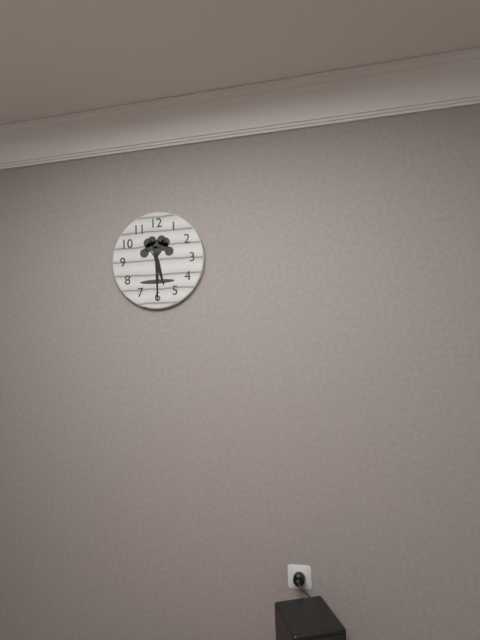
5 h 30 min
